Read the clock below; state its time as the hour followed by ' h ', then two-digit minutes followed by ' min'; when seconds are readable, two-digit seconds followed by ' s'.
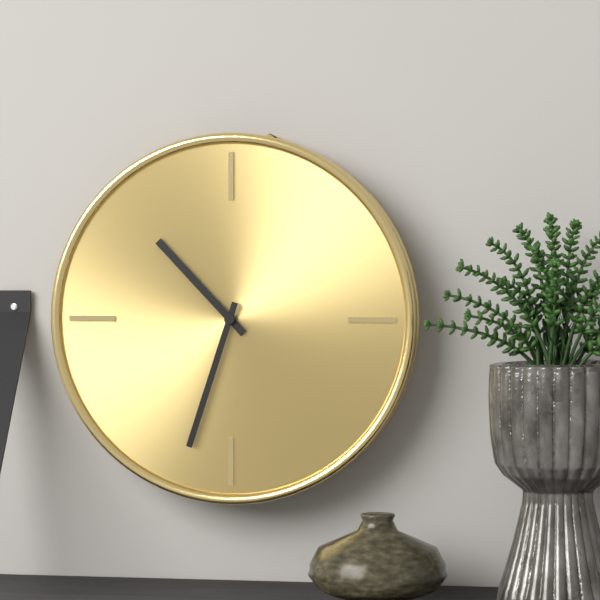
10 h 33 min
